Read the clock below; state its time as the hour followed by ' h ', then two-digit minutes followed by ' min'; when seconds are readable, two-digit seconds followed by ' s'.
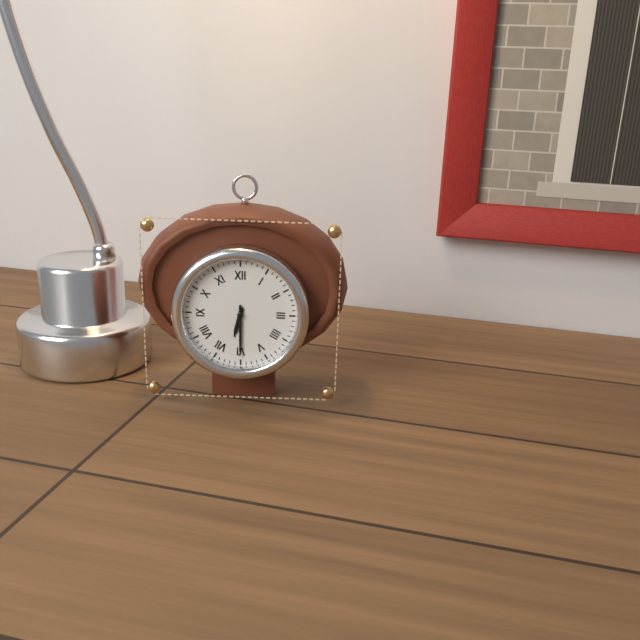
6 h 30 min
